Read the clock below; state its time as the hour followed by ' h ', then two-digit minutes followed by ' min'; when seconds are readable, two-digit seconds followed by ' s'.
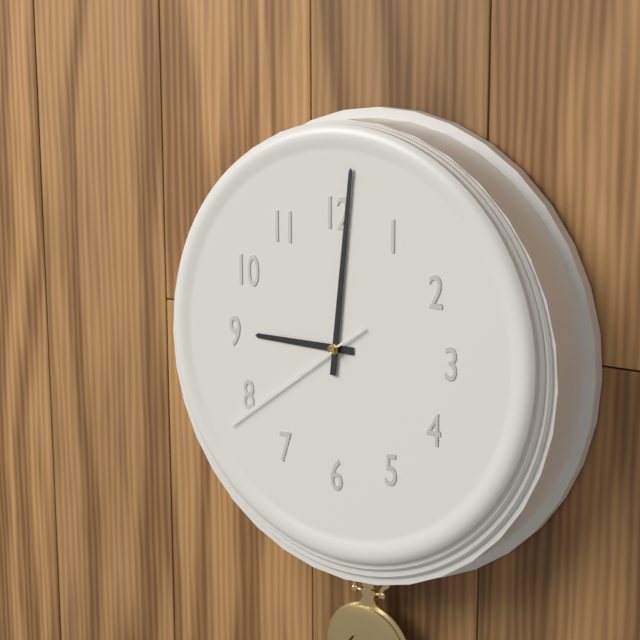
9 h 01 min 39 s
